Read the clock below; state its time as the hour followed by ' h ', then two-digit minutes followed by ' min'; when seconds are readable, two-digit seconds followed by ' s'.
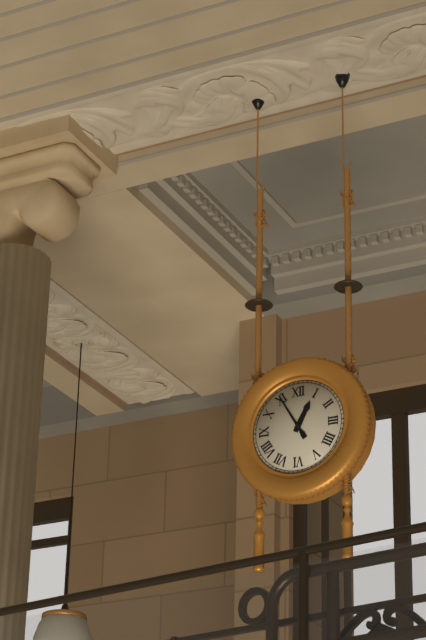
12 h 55 min
